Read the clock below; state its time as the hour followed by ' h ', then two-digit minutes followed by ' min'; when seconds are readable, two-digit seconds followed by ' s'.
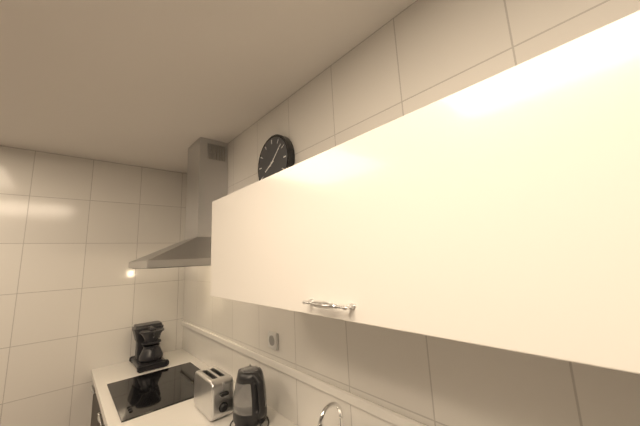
8 h 08 min
